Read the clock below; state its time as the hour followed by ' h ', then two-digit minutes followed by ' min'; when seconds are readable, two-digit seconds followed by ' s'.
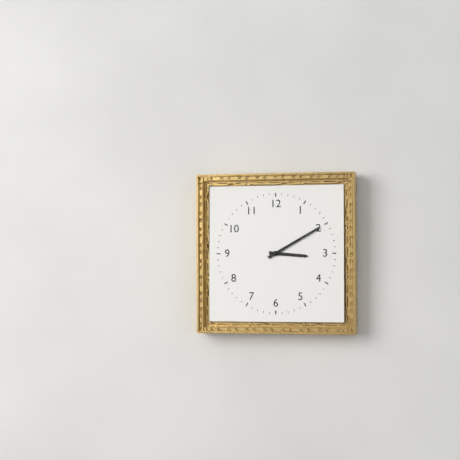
3 h 10 min
